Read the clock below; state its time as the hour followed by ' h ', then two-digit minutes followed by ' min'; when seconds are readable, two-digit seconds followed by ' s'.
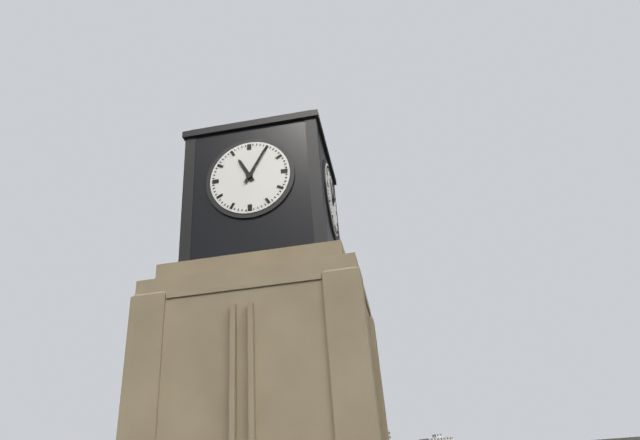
11 h 05 min
